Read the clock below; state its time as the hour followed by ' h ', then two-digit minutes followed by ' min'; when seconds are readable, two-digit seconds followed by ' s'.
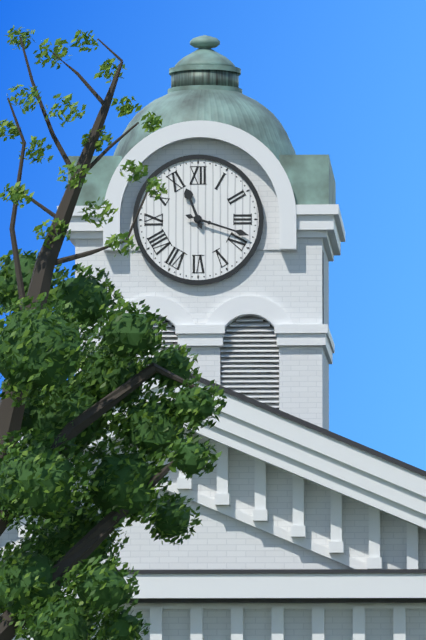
11 h 18 min
